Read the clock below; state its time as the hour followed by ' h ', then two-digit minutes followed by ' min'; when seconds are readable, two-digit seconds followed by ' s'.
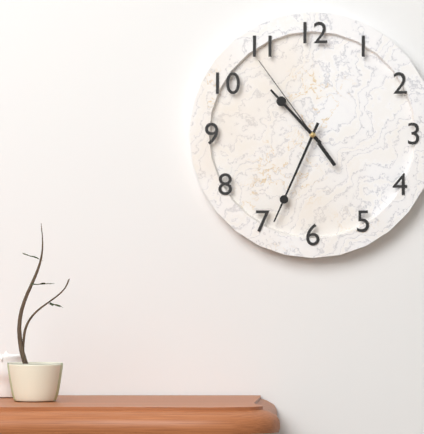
10 h 34 min 54 s
